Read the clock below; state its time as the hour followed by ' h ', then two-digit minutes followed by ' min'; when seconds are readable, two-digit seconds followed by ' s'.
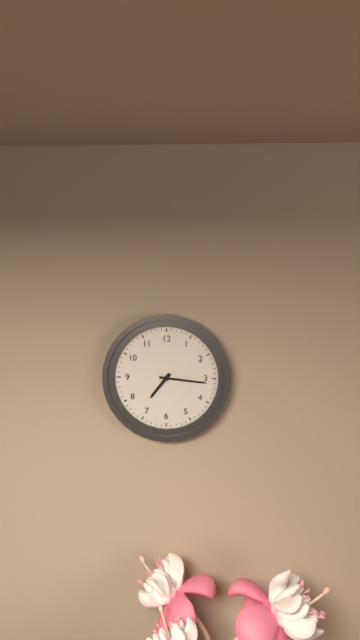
7 h 16 min
